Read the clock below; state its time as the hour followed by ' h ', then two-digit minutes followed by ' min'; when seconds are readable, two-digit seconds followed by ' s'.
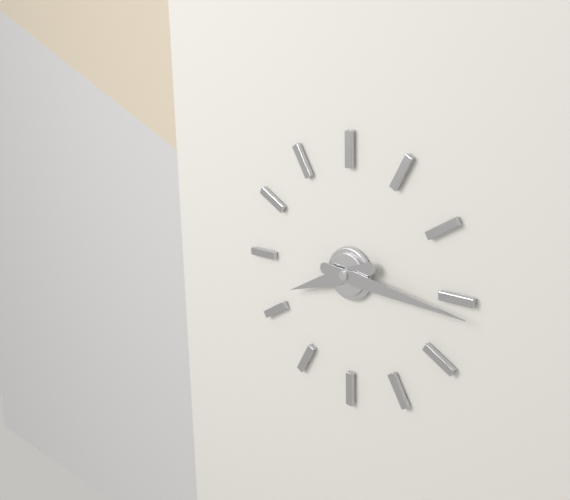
8 h 16 min
